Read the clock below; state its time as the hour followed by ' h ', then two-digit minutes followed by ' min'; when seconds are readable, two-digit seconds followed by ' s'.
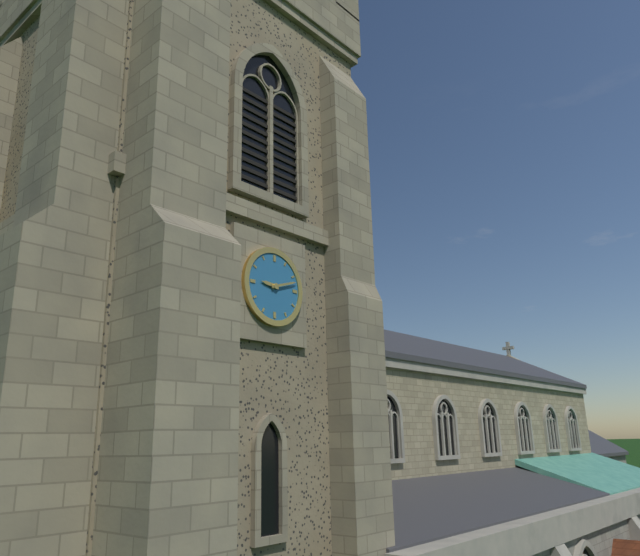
9 h 12 min
